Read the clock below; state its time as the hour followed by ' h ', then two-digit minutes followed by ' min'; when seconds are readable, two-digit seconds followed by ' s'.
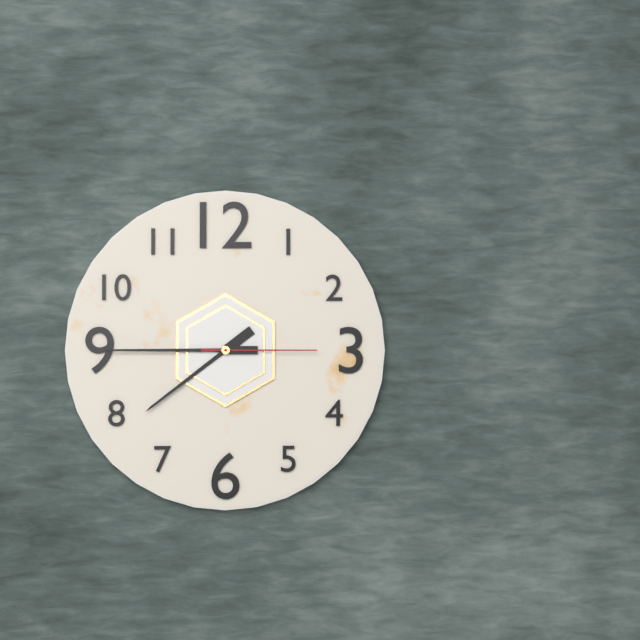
7 h 45 min 15 s
